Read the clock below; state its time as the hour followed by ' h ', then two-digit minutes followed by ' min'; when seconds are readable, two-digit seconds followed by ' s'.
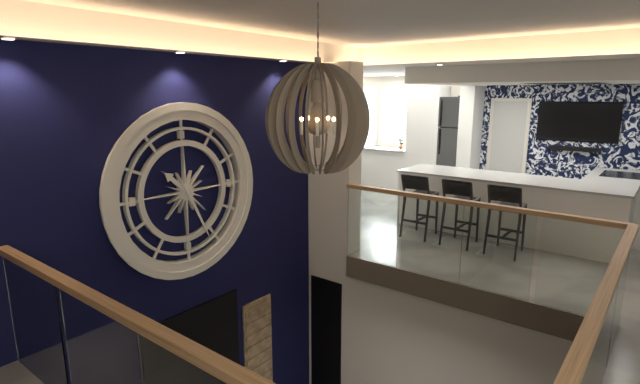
10 h 26 min
